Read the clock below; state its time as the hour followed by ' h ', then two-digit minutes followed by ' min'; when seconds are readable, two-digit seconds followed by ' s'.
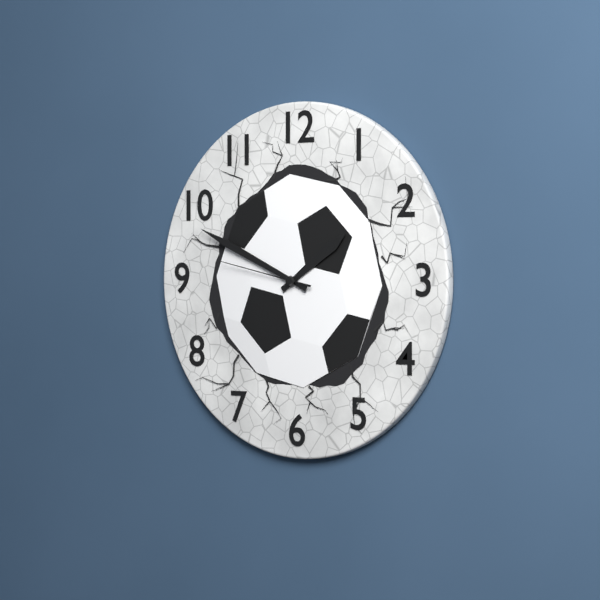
1 h 49 min 47 s
